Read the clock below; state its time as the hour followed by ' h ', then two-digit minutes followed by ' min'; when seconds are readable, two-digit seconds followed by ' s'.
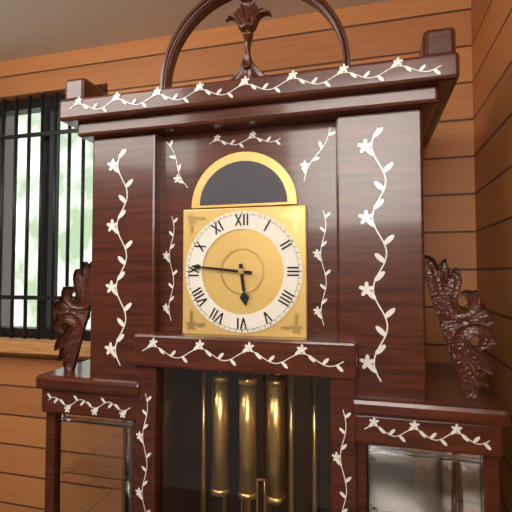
5 h 46 min
